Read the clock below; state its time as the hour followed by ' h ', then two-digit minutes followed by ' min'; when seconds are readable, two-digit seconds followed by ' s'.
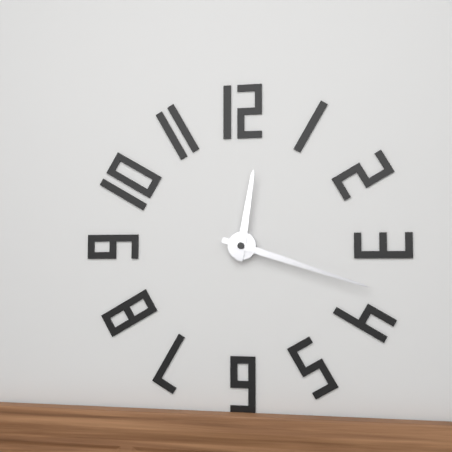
12 h 18 min
